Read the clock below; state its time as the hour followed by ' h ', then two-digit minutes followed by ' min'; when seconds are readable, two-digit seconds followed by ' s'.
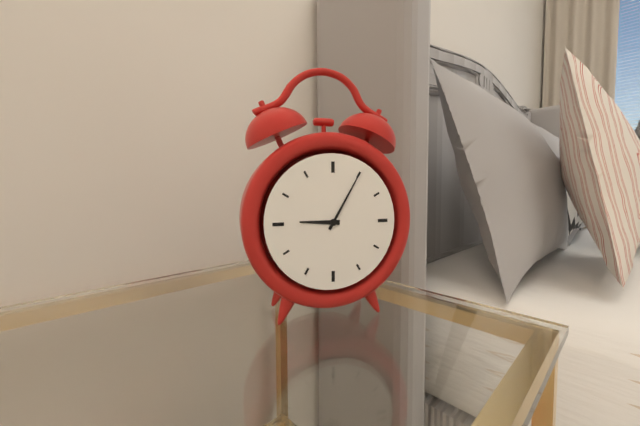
9 h 05 min
